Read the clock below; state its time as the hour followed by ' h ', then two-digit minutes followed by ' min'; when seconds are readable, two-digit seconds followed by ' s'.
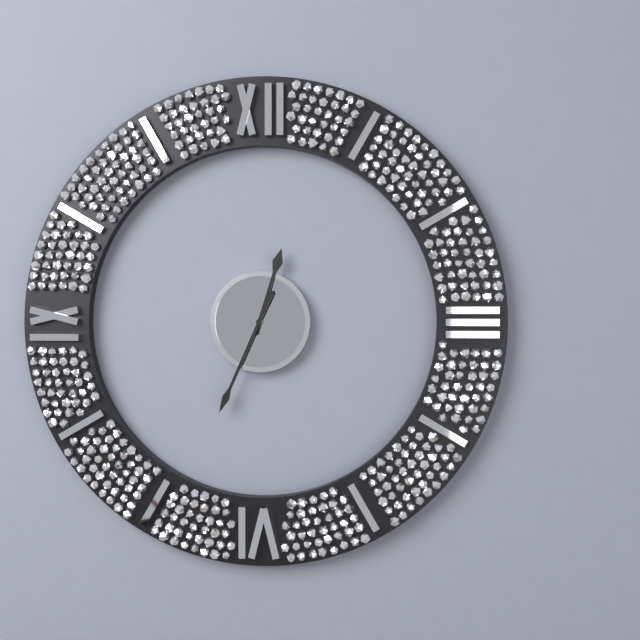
12 h 34 min
